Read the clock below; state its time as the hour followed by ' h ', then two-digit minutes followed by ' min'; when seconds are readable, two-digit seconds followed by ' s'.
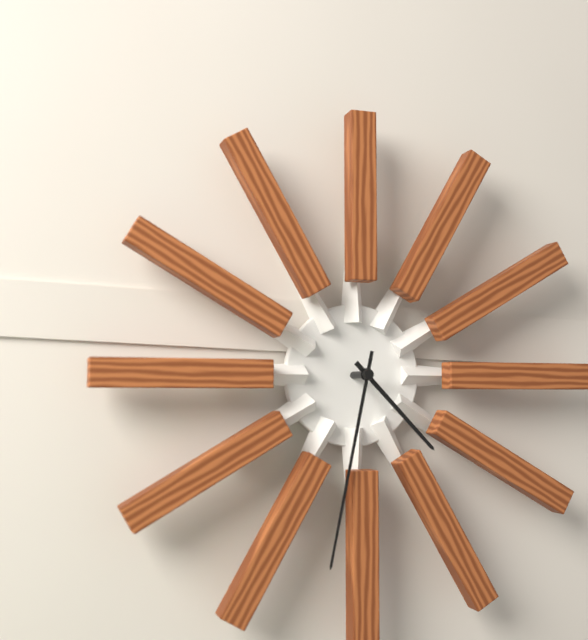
4 h 32 min
